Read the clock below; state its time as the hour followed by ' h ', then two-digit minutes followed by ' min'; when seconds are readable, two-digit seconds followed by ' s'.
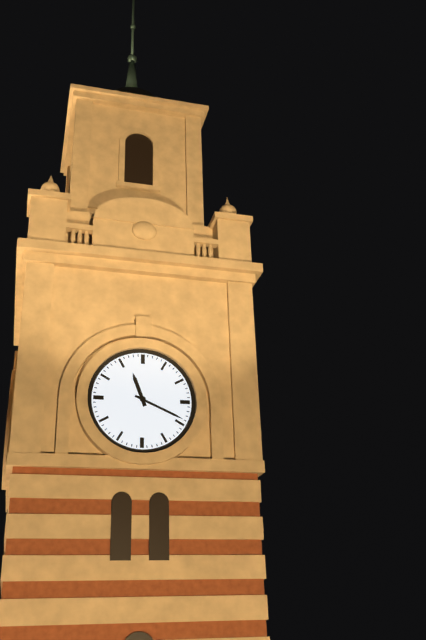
11 h 19 min
